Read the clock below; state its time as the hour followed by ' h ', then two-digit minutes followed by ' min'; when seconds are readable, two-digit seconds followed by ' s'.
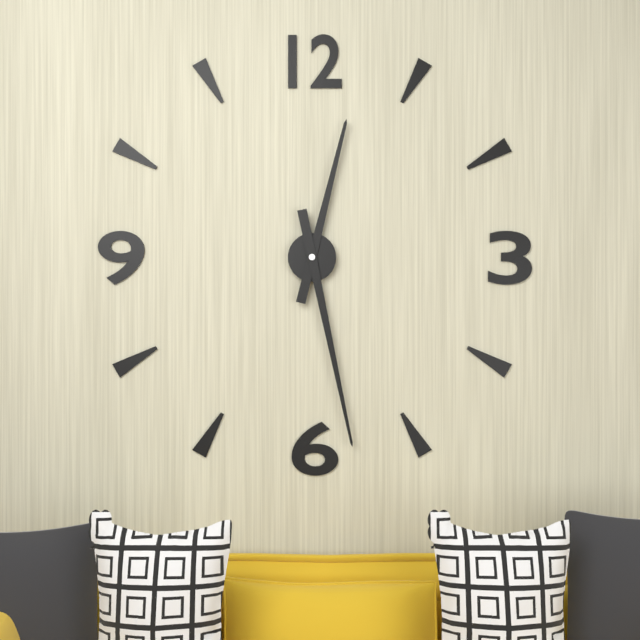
12 h 28 min
